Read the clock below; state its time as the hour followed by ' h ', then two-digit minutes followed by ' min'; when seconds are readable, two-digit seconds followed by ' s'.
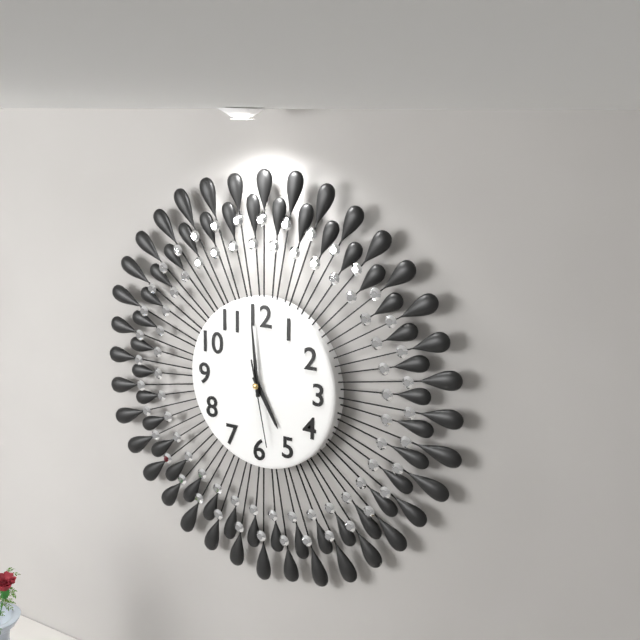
4 h 59 min 28 s
